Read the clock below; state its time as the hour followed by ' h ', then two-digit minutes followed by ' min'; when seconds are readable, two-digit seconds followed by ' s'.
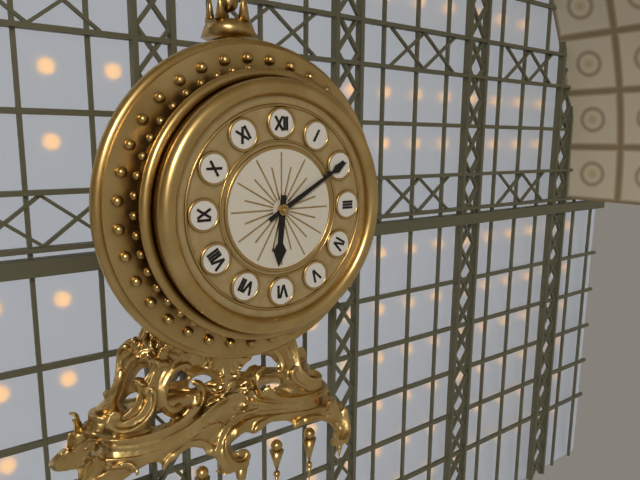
6 h 10 min
